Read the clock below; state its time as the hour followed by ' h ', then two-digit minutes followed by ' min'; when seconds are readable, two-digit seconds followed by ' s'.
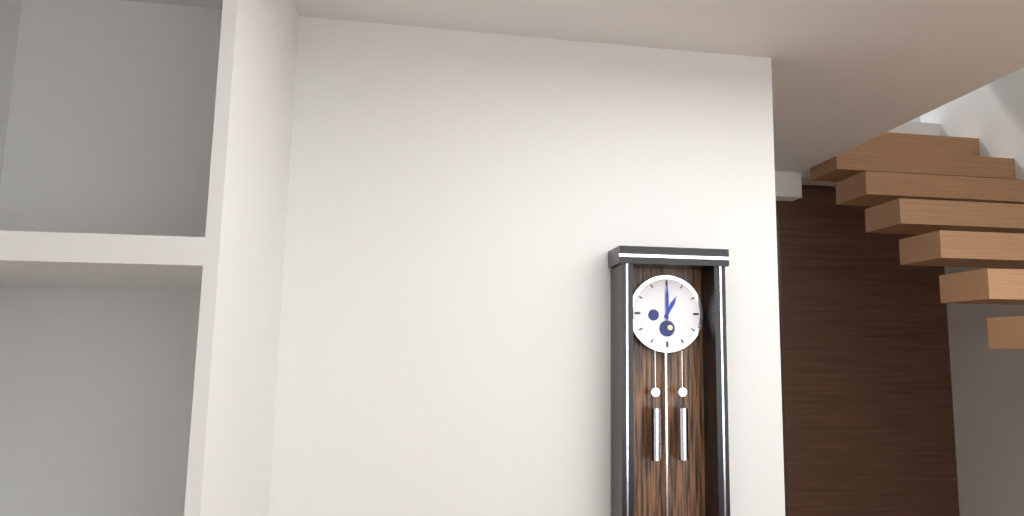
1 h 00 min
